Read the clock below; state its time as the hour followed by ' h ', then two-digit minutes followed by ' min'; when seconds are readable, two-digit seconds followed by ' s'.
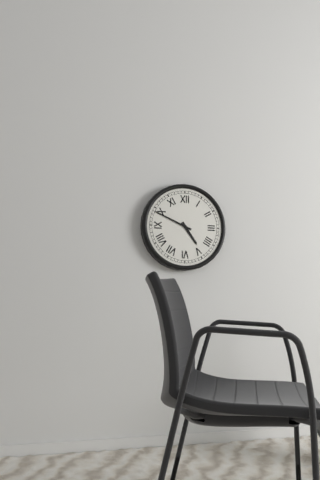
4 h 49 min
